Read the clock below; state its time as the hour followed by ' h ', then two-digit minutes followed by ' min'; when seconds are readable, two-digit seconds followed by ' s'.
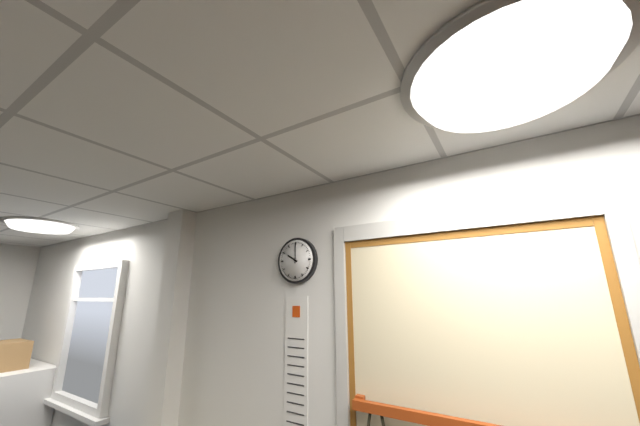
10 h 00 min
